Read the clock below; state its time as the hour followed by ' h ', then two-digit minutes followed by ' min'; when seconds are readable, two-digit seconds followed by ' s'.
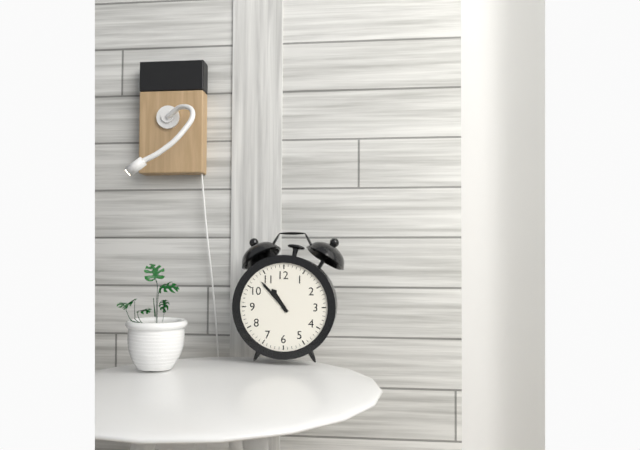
10 h 53 min
